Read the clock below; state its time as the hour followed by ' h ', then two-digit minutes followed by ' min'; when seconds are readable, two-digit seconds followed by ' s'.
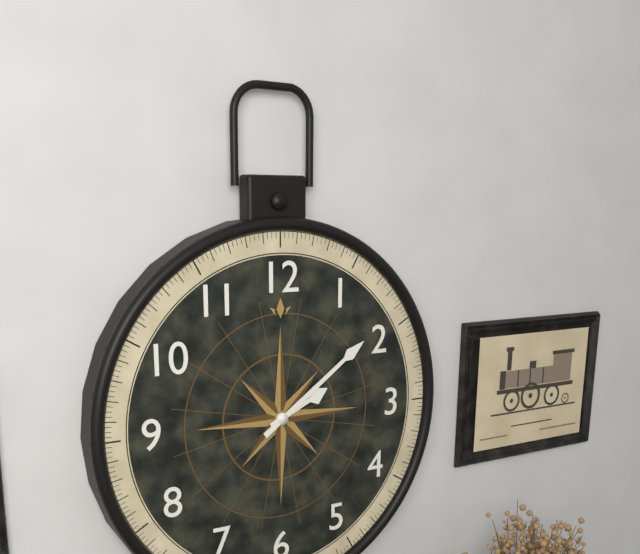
2 h 09 min
